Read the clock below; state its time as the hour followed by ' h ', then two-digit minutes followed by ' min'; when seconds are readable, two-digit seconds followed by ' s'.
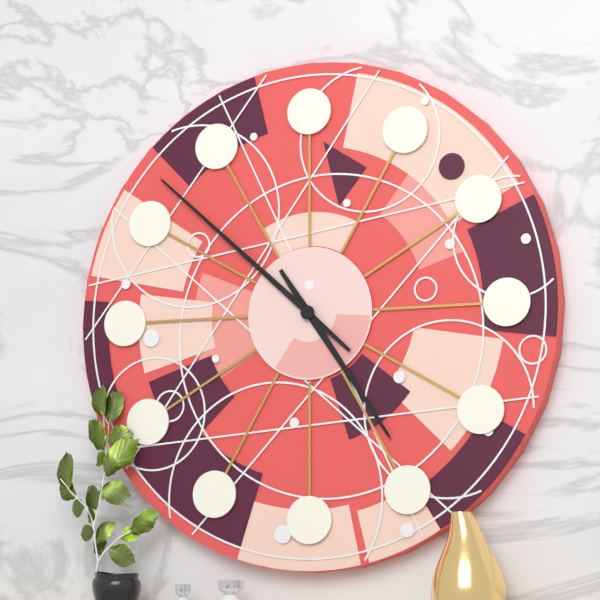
4 h 52 min
